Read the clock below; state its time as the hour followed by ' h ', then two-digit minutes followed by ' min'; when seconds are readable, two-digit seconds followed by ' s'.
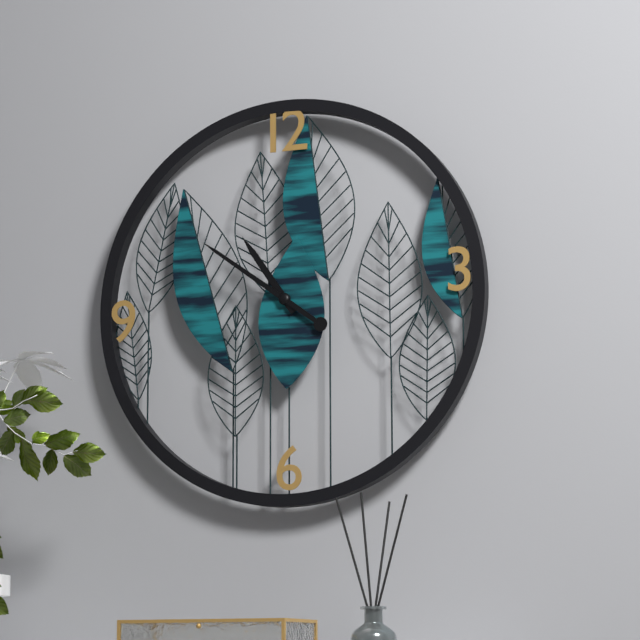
10 h 51 min
